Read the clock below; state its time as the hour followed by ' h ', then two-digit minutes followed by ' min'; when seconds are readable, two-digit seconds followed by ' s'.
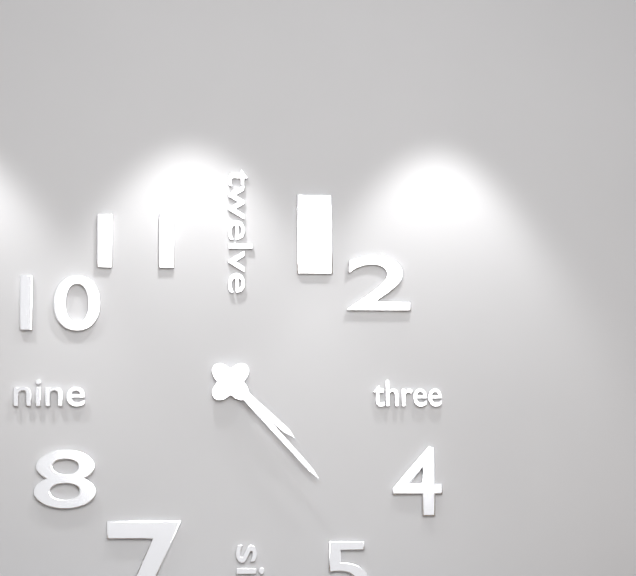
4 h 23 min
